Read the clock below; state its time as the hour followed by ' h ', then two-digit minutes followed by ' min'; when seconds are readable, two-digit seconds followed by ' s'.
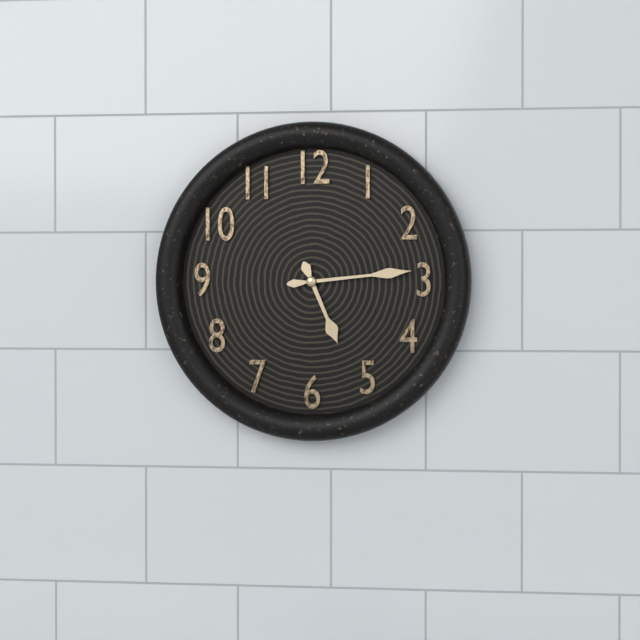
5 h 14 min
